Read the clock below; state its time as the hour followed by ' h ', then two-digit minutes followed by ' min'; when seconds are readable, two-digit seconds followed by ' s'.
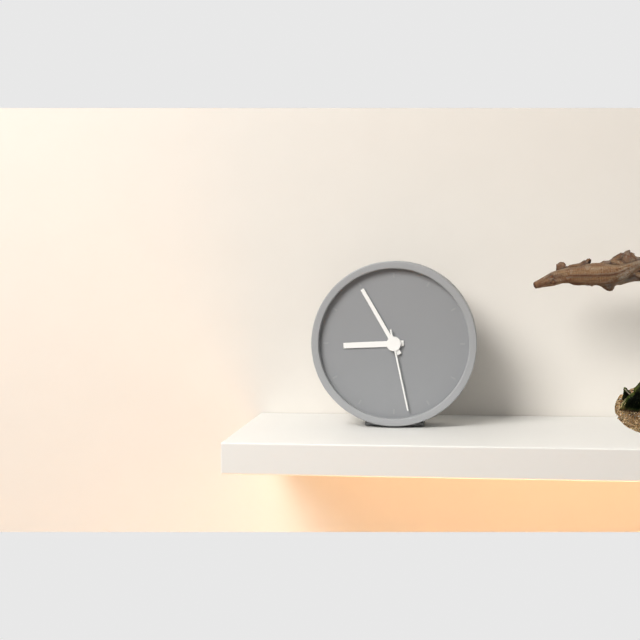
8 h 55 min 28 s
